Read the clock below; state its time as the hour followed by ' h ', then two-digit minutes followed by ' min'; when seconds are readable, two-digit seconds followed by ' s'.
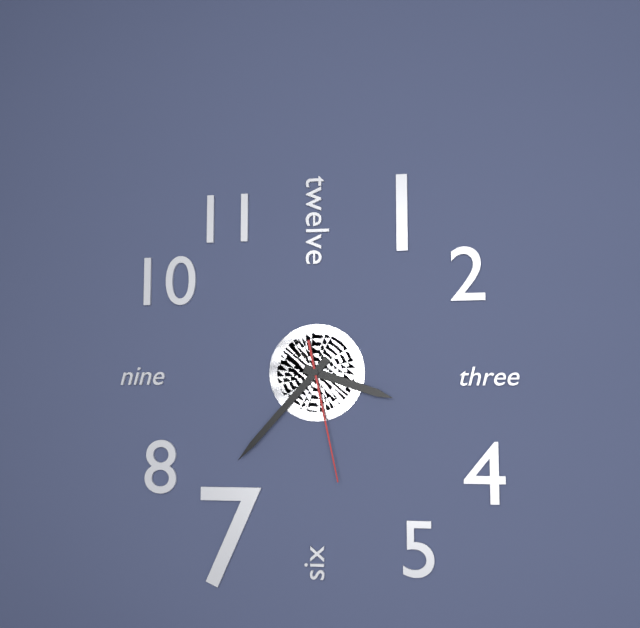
3 h 37 min 28 s
